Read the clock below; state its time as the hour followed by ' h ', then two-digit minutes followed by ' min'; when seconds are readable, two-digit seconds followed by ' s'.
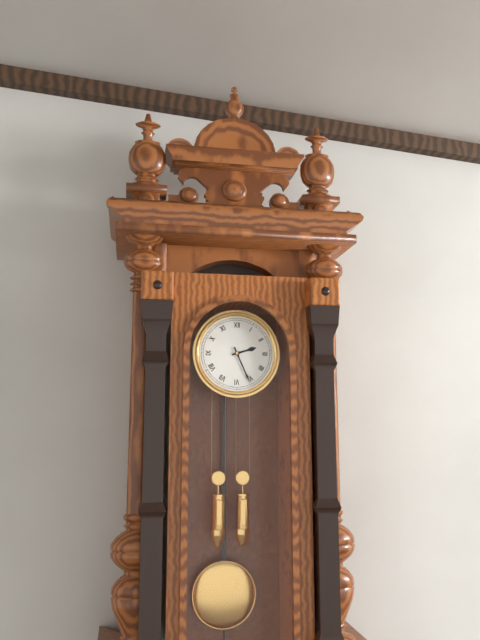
2 h 26 min
